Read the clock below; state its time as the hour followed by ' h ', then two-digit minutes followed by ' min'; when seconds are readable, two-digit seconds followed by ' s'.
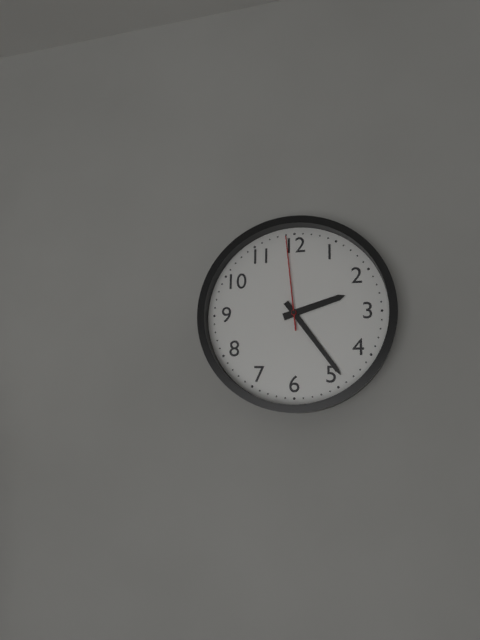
2 h 24 min 59 s
